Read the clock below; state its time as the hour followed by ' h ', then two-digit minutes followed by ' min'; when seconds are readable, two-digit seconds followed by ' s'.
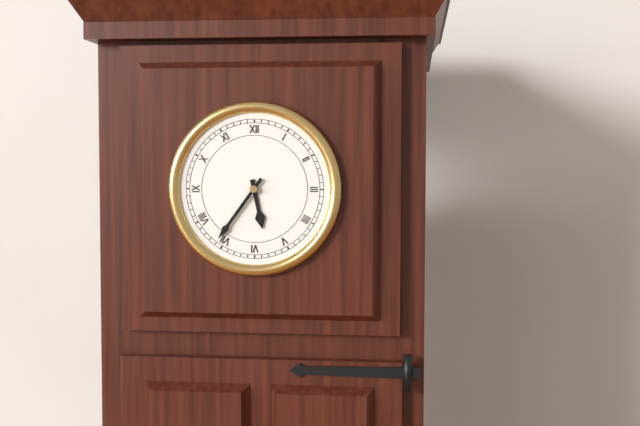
5 h 36 min
